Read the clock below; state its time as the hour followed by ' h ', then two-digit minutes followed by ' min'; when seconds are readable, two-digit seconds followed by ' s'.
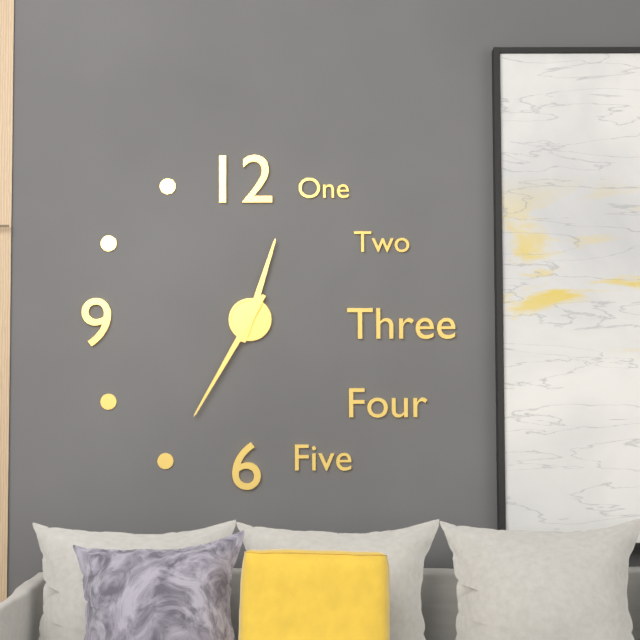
12 h 35 min
